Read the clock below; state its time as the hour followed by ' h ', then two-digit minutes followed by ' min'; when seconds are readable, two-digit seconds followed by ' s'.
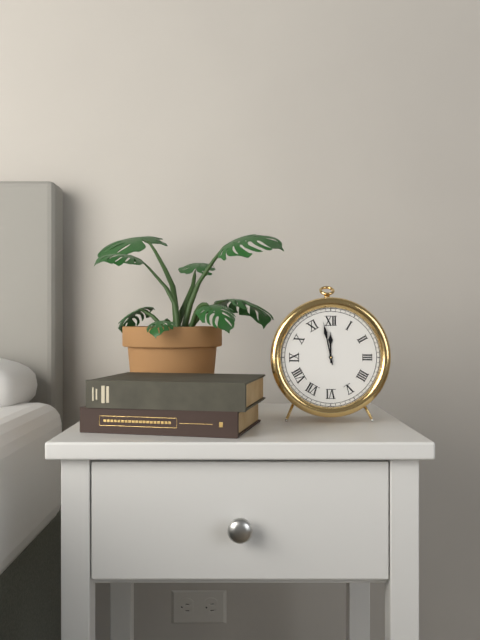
11 h 58 min
